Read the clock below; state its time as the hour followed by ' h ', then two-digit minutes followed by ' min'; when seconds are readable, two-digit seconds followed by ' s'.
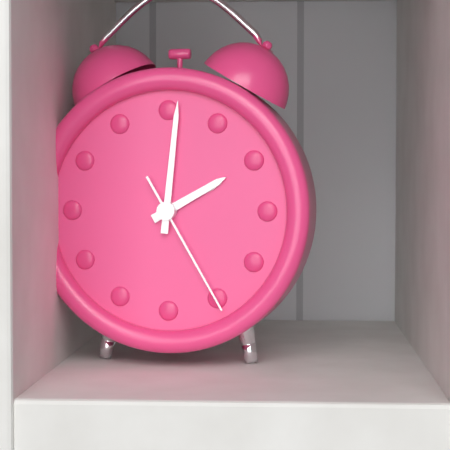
2 h 01 min 25 s
